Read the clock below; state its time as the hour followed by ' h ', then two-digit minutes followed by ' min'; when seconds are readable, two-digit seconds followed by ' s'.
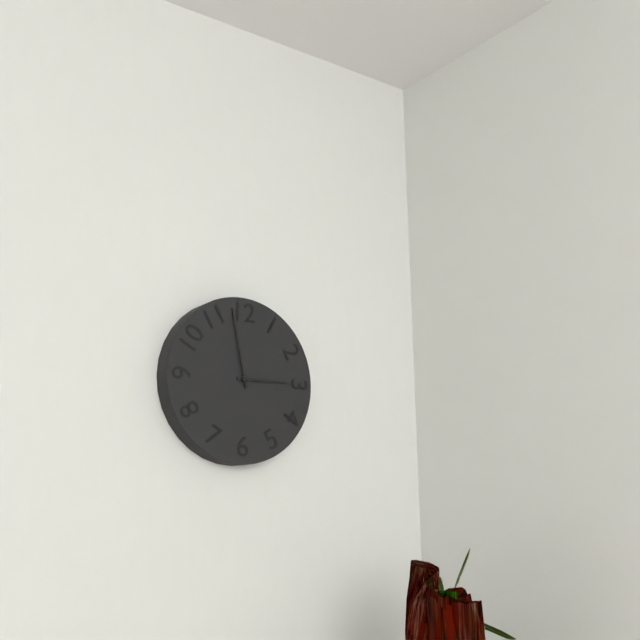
2 h 58 min
